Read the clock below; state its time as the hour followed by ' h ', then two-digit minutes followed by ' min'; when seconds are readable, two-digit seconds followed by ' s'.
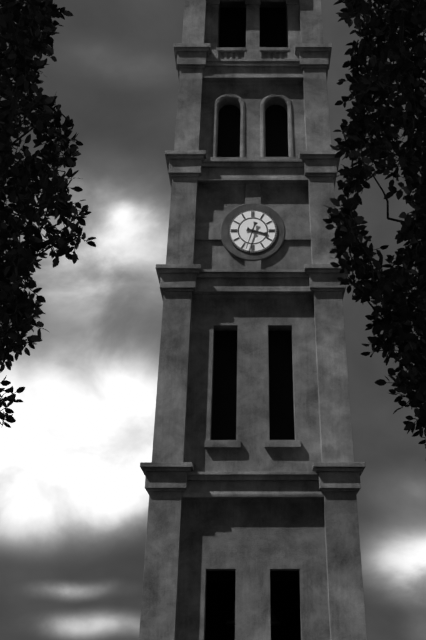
3 h 33 min
